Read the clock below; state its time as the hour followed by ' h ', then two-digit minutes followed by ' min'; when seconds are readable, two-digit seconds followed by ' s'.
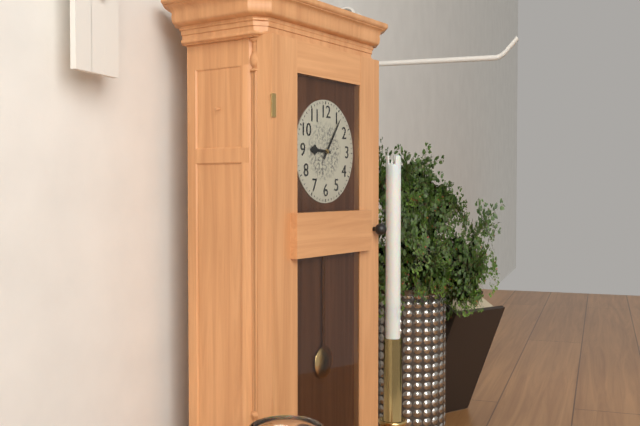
9 h 06 min
